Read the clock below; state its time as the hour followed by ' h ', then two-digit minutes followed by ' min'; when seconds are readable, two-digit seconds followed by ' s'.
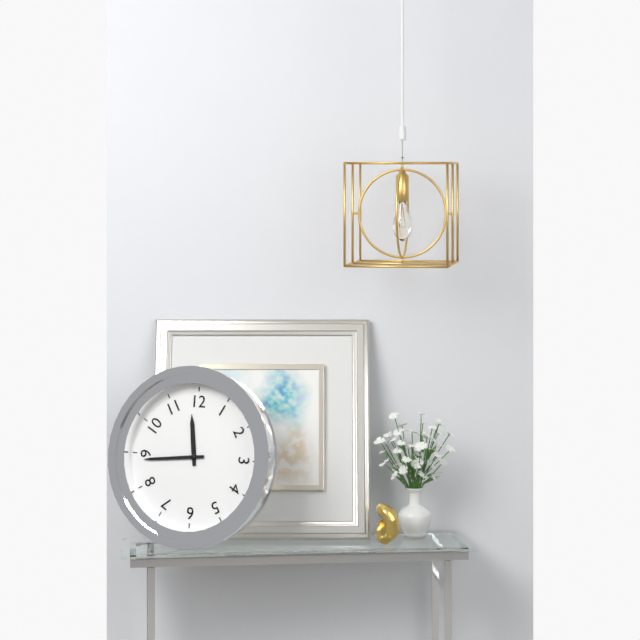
11 h 44 min
